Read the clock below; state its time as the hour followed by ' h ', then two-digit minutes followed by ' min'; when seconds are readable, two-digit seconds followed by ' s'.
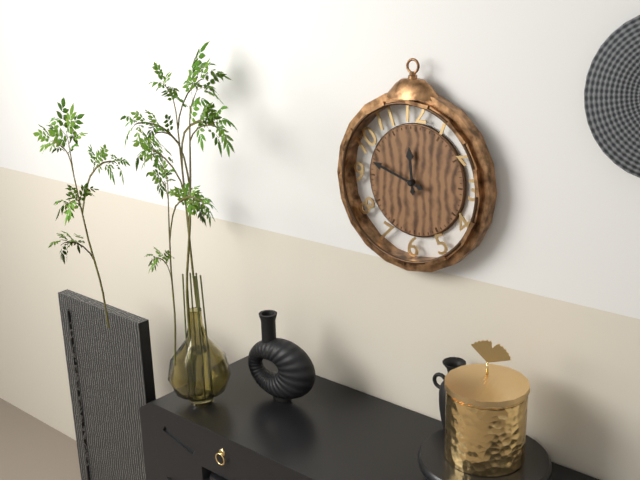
11 h 48 min
